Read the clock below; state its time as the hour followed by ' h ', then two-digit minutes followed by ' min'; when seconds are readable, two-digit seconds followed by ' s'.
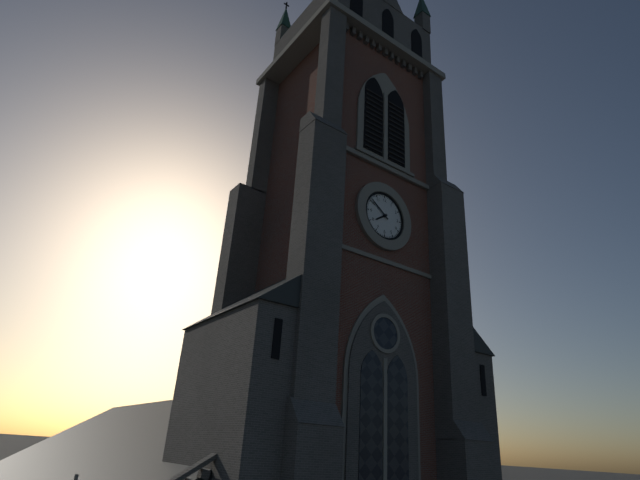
7 h 51 min
